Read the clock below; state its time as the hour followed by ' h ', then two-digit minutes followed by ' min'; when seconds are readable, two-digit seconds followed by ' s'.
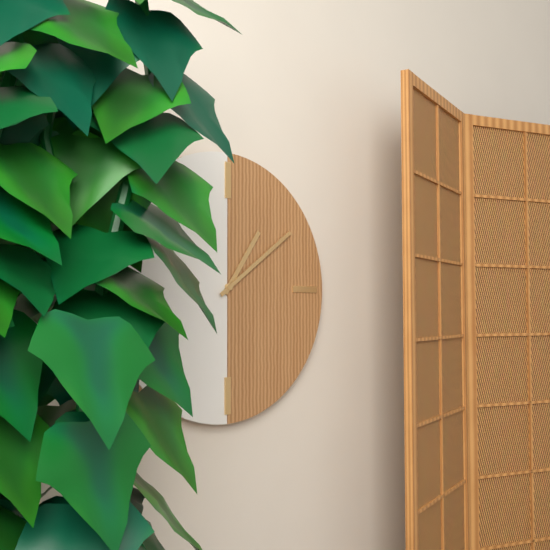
1 h 09 min
